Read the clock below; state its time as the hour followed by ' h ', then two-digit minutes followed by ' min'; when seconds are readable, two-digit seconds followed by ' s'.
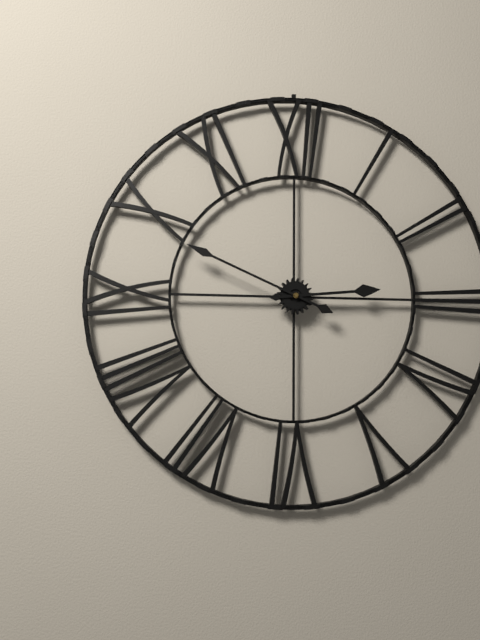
2 h 49 min
